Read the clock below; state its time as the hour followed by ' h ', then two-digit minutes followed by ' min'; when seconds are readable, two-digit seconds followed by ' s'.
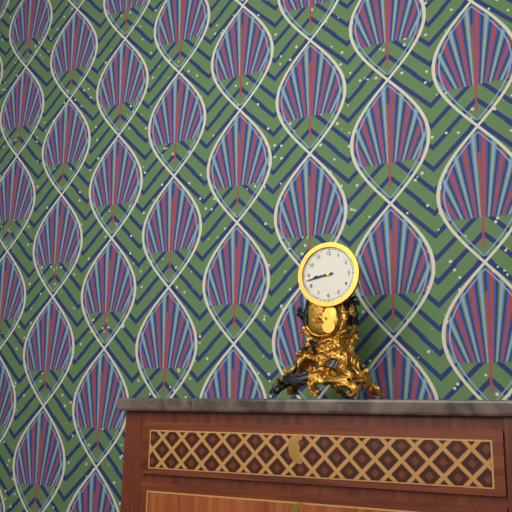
8 h 43 min
